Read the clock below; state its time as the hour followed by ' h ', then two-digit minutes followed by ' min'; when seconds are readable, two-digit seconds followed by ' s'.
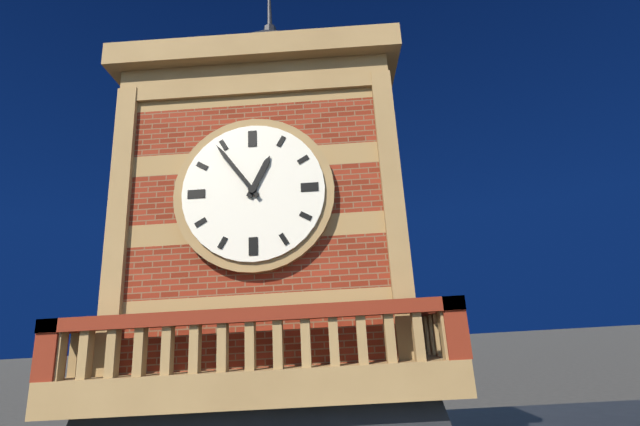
12 h 54 min
